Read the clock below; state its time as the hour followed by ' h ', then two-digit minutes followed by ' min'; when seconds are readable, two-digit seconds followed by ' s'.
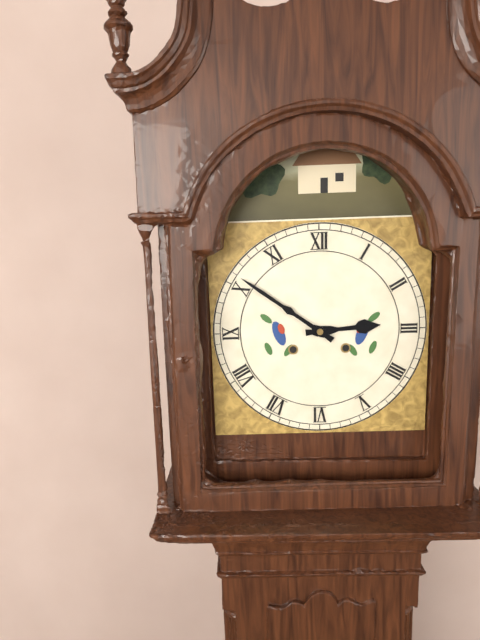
2 h 51 min
